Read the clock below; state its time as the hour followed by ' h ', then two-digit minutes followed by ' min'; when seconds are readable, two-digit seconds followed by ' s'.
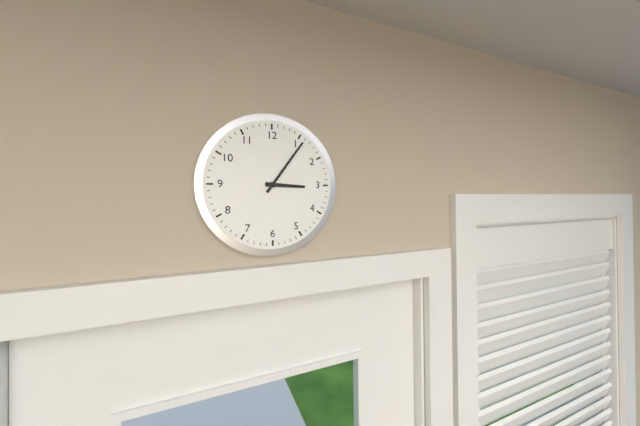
3 h 06 min
